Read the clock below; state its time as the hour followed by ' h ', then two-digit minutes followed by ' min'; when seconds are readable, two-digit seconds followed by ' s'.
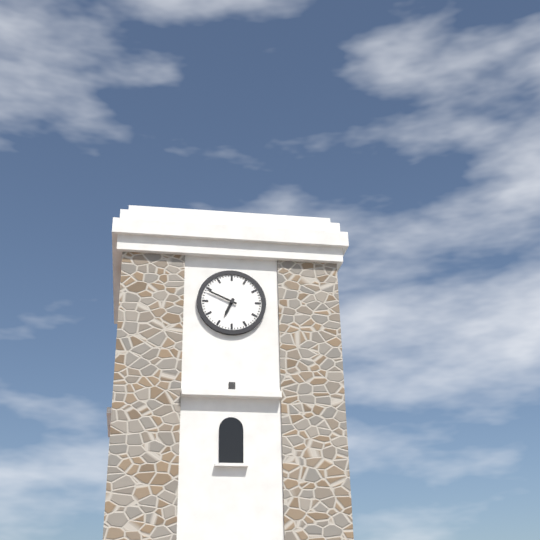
6 h 49 min
